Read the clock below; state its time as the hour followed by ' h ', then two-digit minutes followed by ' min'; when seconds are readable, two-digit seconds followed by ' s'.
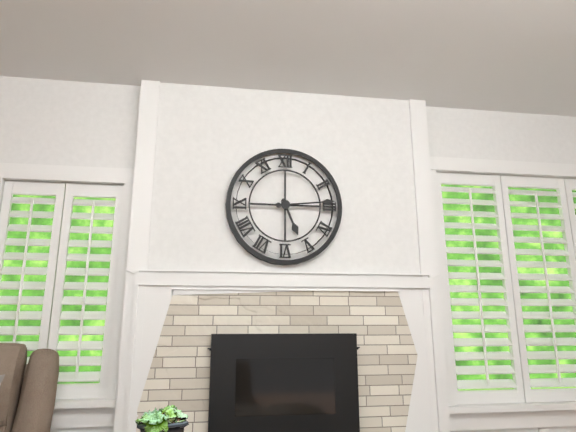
5 h 14 min
